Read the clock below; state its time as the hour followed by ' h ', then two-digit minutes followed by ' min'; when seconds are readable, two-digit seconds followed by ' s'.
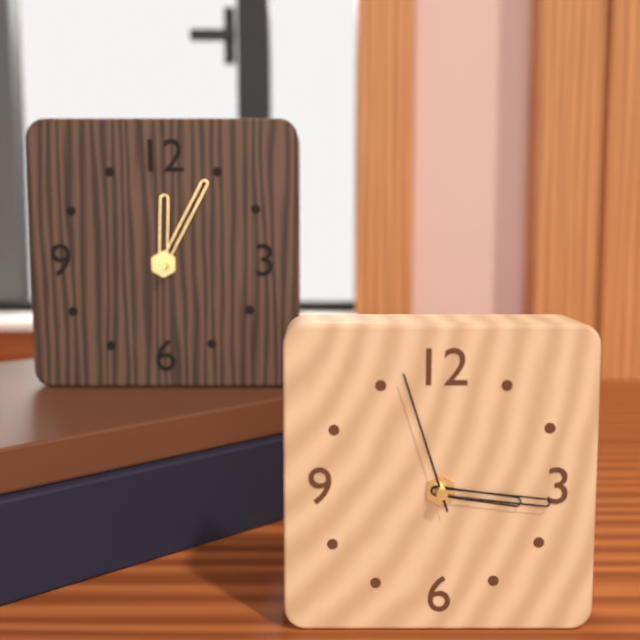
3 h 16 min 57 s
